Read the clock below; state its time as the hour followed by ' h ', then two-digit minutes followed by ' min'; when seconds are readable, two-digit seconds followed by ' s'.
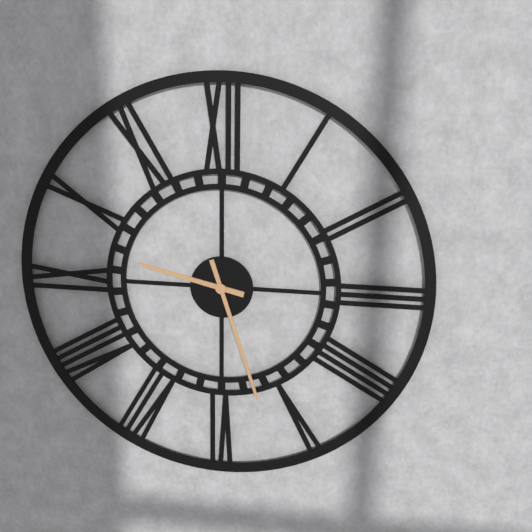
9 h 27 min
